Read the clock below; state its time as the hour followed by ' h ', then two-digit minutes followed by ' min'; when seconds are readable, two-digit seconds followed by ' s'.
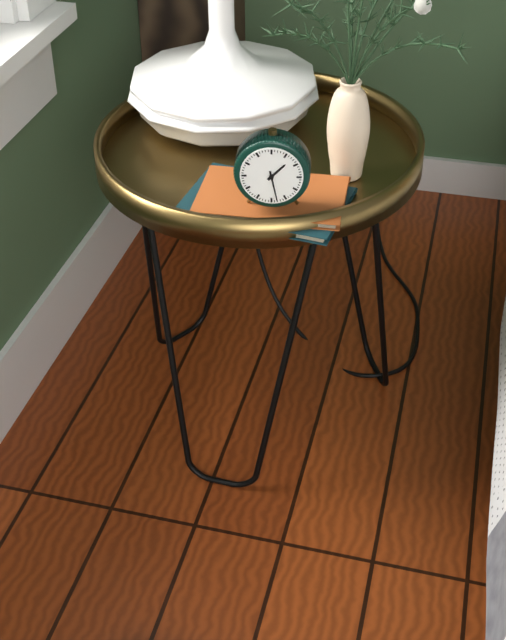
1 h 28 min
